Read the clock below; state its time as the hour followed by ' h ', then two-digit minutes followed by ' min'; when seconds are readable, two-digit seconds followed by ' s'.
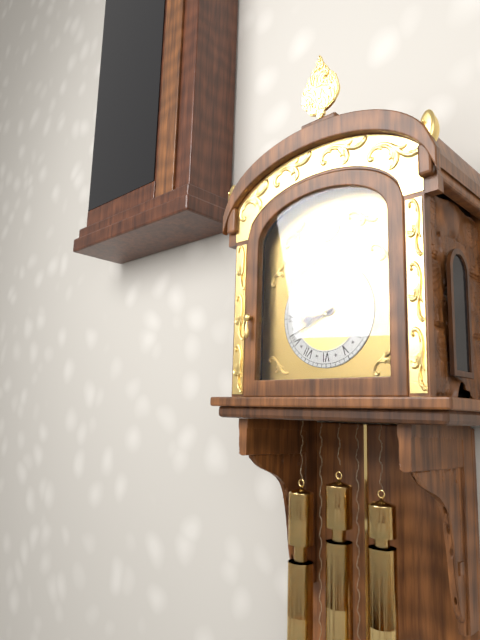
8 h 41 min
